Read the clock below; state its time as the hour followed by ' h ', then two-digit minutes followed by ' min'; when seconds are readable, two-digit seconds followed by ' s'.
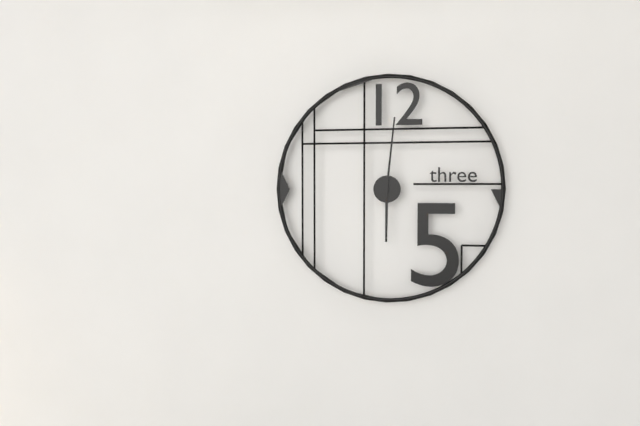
6 h 01 min
